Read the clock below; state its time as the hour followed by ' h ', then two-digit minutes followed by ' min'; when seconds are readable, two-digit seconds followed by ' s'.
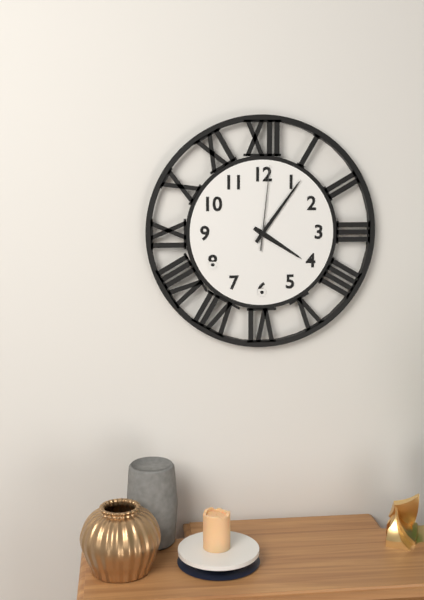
4 h 06 min 01 s
